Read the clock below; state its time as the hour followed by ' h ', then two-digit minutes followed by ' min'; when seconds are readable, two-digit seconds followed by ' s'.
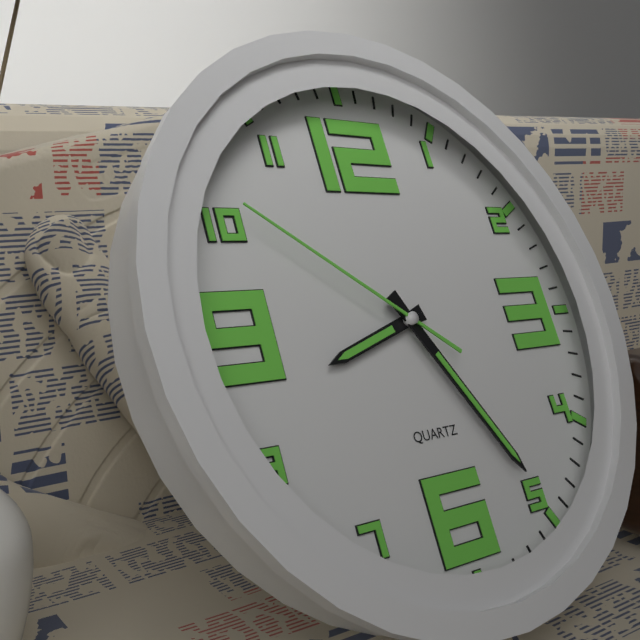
8 h 25 min 51 s
